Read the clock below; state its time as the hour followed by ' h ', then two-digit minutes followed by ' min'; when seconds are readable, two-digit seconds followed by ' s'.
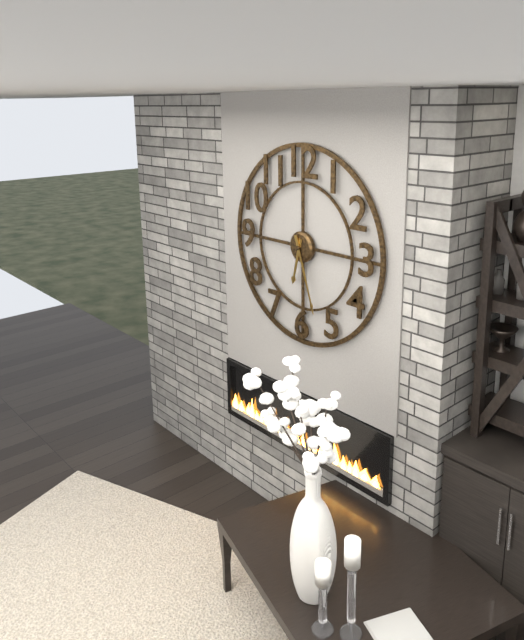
6 h 27 min
